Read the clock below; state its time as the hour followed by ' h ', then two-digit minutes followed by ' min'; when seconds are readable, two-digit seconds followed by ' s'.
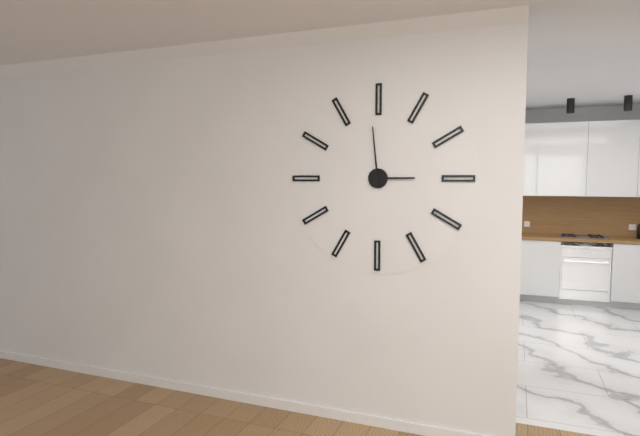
2 h 59 min
